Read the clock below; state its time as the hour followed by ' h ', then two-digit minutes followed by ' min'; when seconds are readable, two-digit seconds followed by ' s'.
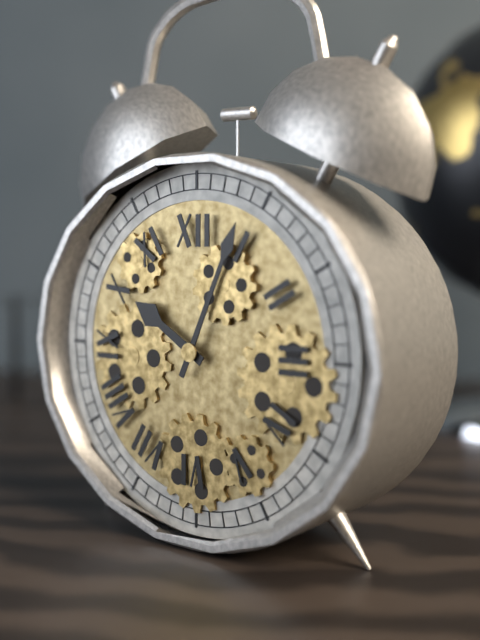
10 h 04 min
